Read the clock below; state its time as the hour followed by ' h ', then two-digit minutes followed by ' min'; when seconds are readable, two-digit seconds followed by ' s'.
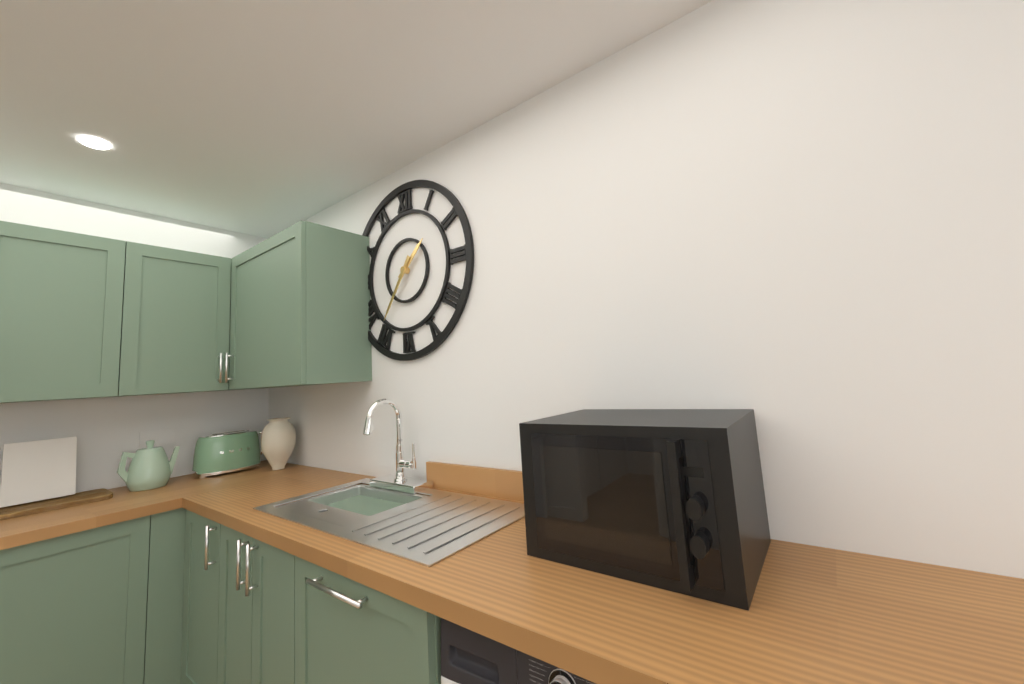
1 h 36 min
